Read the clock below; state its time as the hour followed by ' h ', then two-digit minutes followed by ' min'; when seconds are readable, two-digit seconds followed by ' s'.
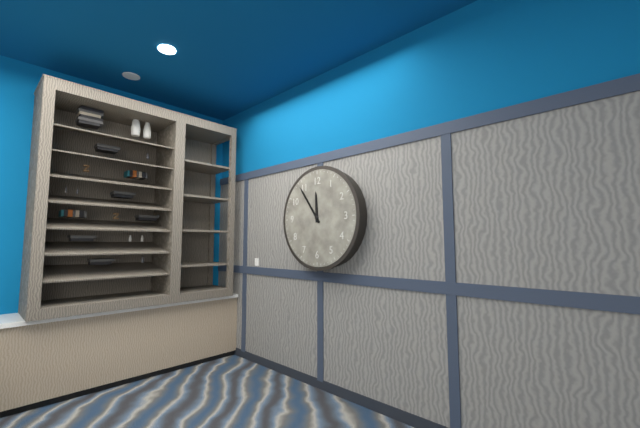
11 h 54 min
